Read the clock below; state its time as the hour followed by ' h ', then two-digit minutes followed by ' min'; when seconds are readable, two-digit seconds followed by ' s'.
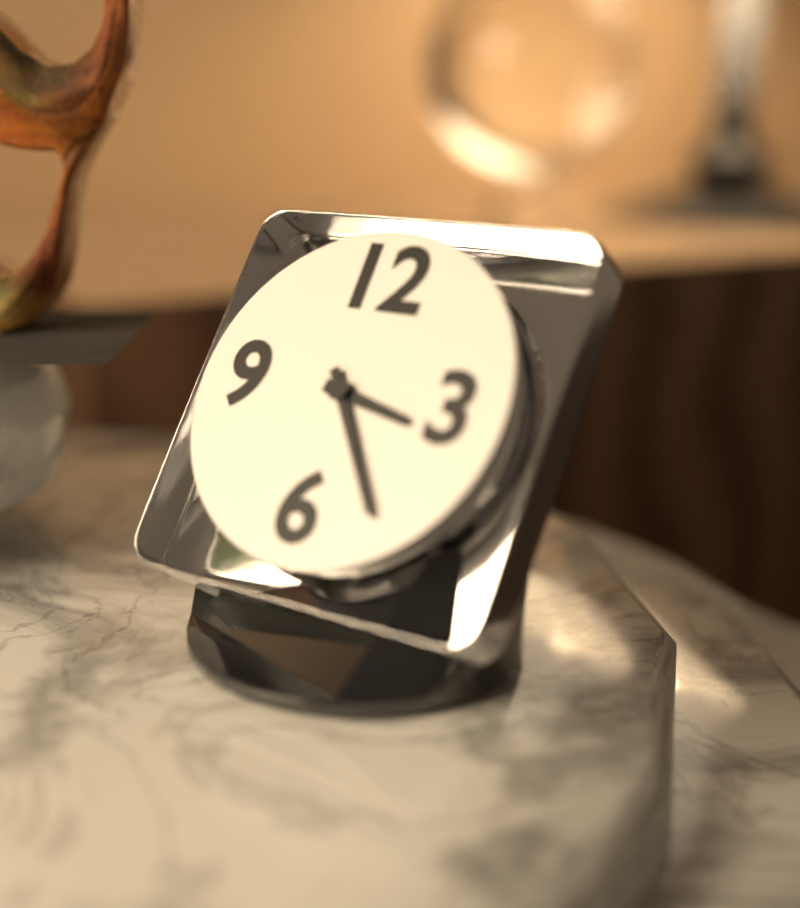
3 h 24 min
